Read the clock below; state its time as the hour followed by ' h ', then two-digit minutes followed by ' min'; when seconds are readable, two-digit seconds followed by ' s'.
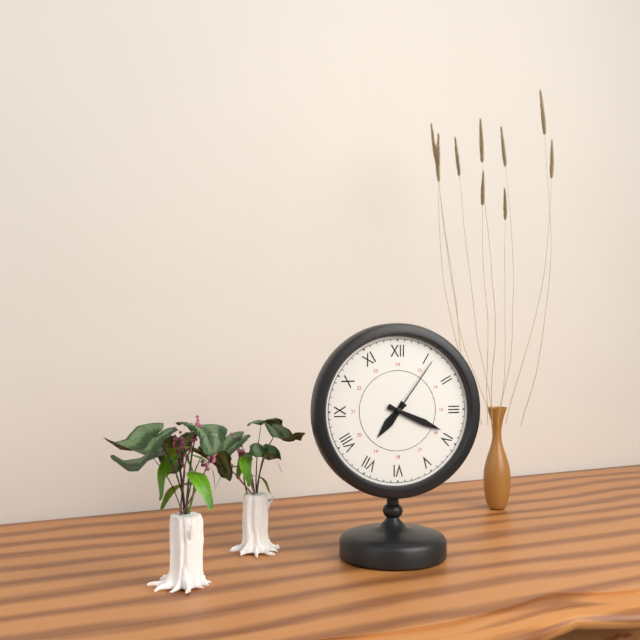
7 h 19 min 06 s
